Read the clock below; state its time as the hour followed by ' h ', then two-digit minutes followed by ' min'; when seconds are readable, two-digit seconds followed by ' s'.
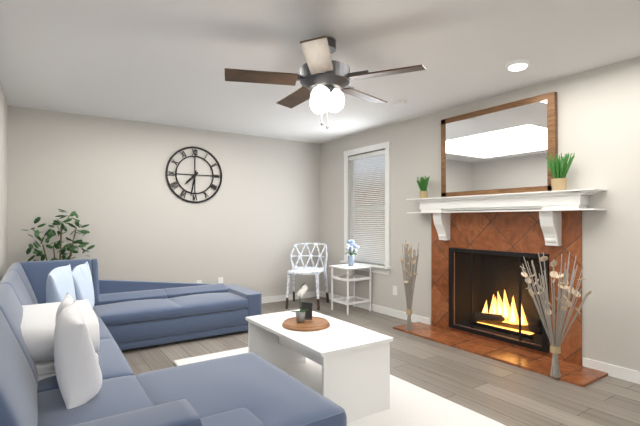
7 h 32 min
